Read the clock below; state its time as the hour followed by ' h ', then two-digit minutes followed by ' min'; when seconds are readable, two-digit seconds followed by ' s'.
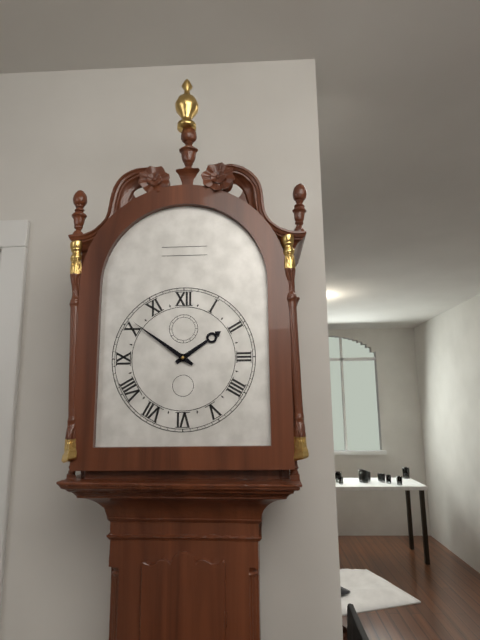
1 h 51 min
